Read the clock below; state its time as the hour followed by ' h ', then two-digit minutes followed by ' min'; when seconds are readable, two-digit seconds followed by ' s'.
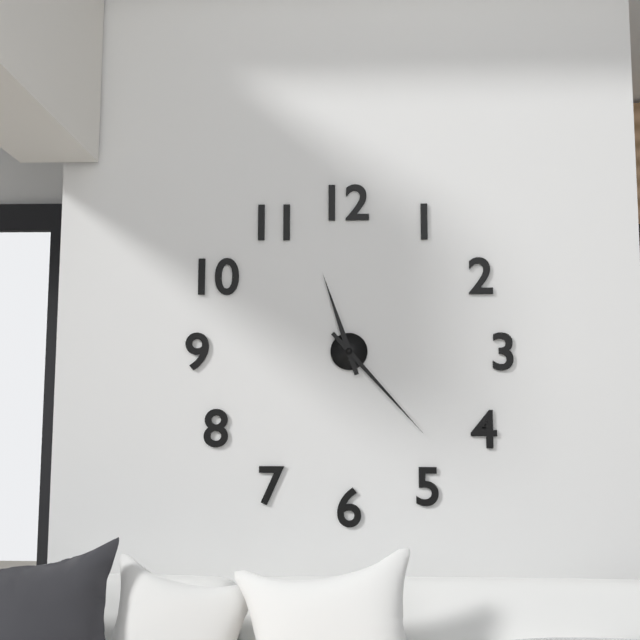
11 h 23 min
